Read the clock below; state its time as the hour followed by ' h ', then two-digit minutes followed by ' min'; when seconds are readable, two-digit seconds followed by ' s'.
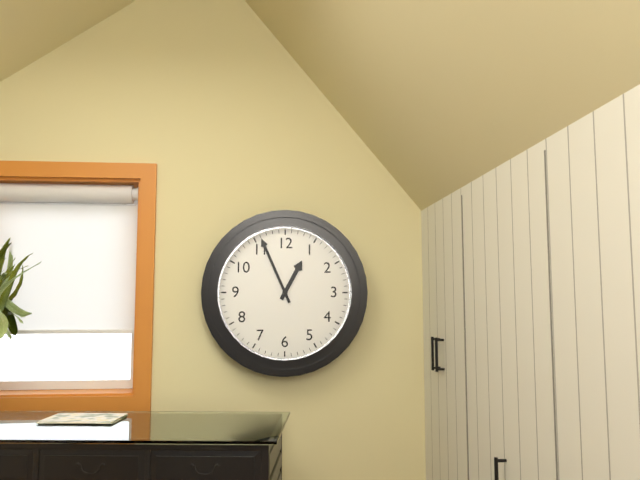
12 h 56 min
